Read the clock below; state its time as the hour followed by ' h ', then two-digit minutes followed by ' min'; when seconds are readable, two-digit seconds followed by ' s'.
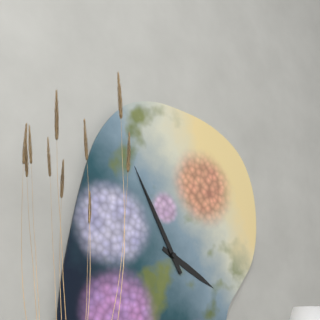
3 h 55 min
